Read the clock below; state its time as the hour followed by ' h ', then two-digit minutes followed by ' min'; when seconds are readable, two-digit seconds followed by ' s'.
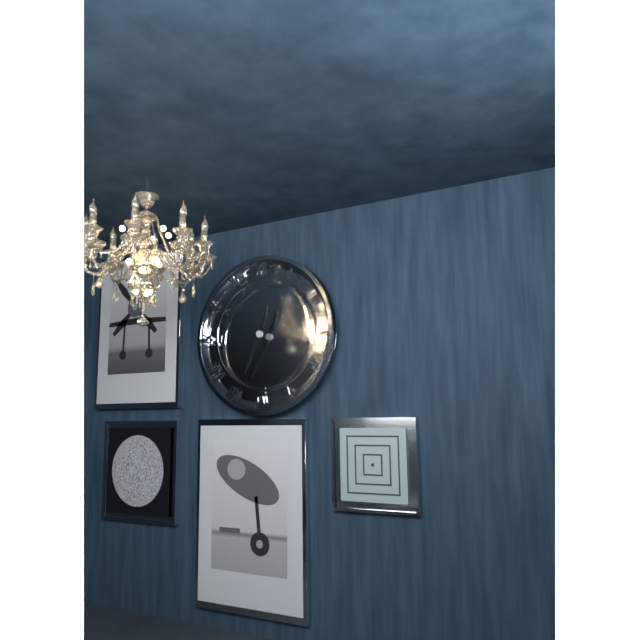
12 h 34 min
